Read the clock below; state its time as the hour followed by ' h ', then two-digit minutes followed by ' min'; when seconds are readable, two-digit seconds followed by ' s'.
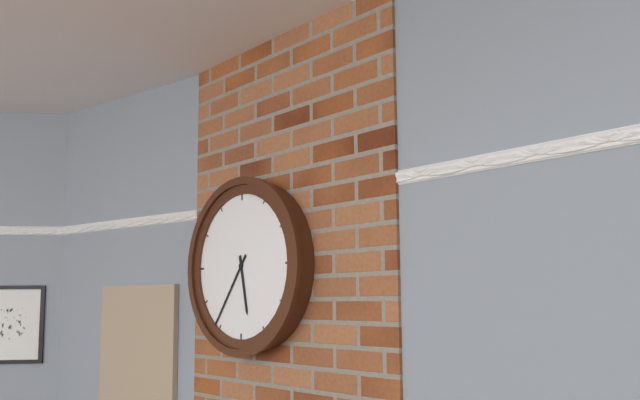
5 h 36 min
